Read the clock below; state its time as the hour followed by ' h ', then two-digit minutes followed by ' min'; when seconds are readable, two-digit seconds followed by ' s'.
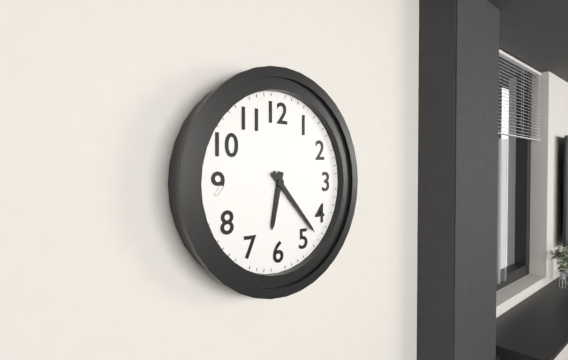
6 h 23 min
